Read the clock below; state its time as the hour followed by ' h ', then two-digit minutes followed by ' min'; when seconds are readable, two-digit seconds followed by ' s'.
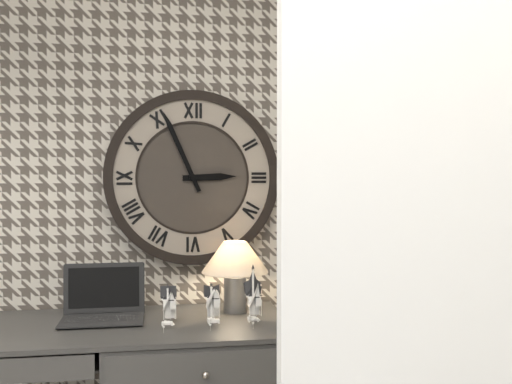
2 h 56 min
